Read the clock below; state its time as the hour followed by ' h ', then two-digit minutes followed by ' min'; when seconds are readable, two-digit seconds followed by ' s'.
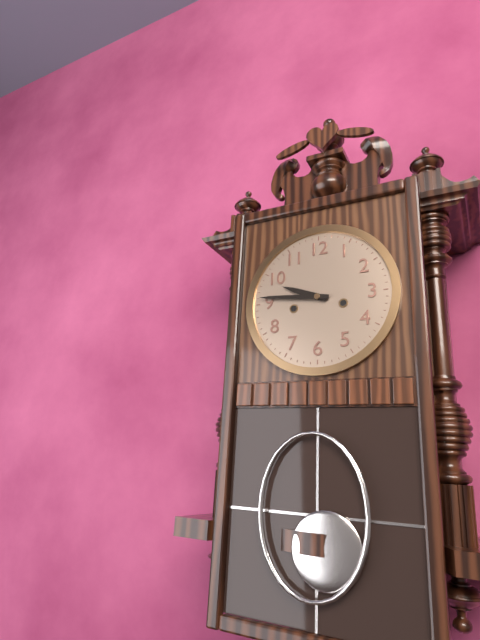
9 h 46 min
